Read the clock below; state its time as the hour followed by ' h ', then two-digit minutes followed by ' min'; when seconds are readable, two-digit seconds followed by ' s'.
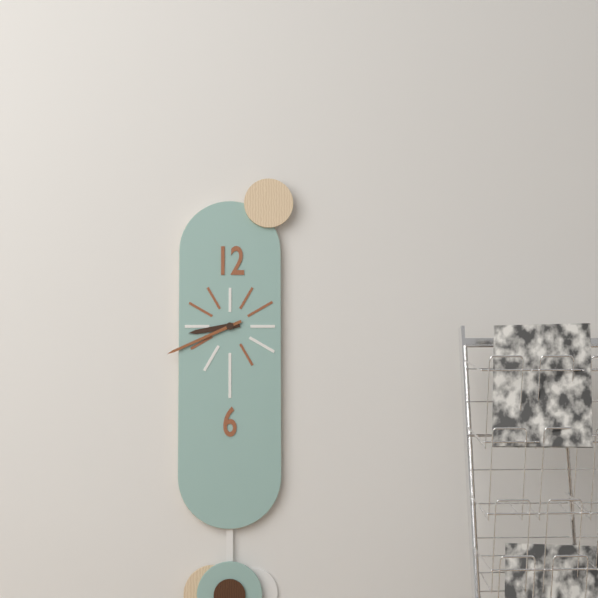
8 h 41 min
